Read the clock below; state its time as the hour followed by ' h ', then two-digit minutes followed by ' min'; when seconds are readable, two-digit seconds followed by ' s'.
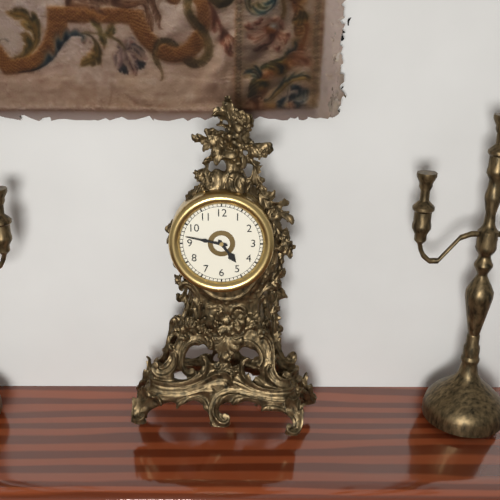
4 h 47 min
